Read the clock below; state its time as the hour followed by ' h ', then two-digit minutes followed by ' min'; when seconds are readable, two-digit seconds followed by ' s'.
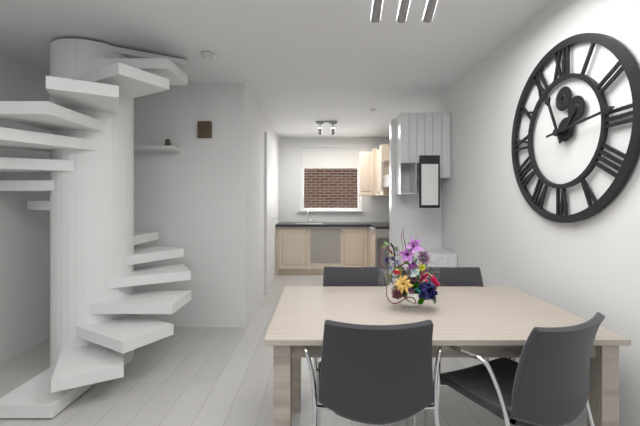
11 h 14 min
